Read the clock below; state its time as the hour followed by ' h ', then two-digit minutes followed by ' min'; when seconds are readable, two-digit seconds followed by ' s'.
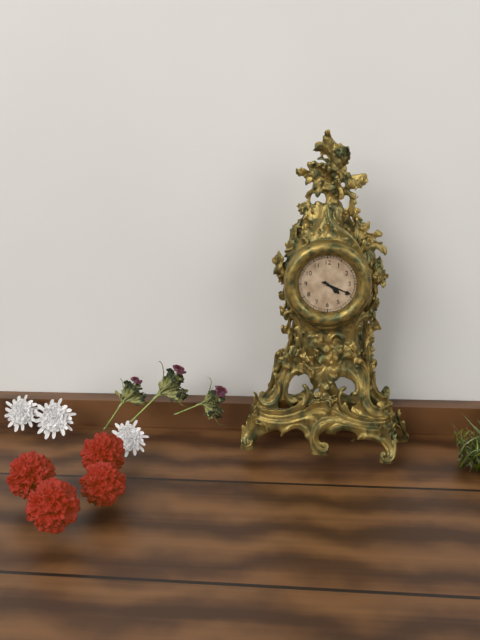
4 h 19 min
